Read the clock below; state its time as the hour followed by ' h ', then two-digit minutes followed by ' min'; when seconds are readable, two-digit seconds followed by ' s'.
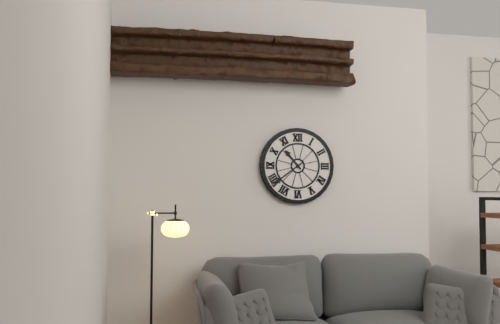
10 h 39 min
